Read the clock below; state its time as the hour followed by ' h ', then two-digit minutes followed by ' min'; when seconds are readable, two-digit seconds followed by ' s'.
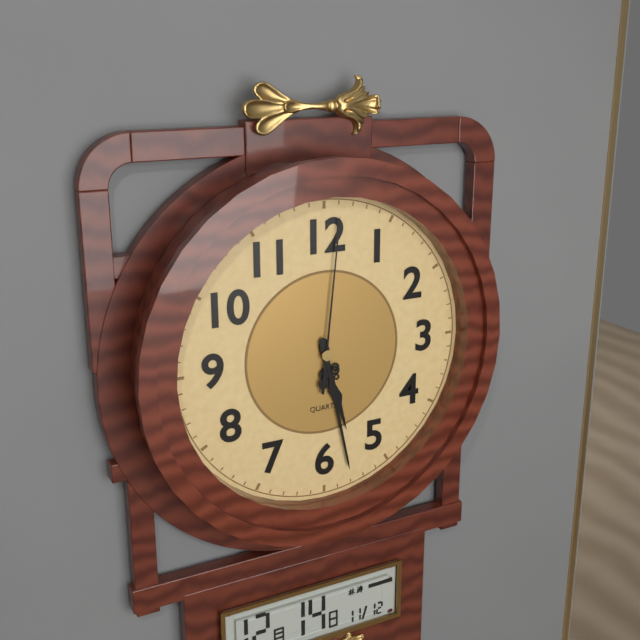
5 h 28 min 01 s
